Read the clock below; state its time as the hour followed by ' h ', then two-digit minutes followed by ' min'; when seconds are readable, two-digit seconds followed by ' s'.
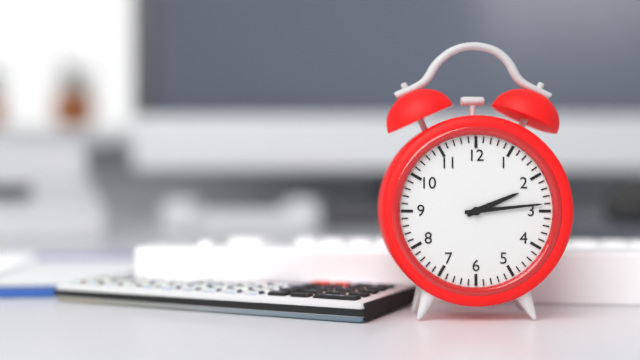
2 h 14 min
